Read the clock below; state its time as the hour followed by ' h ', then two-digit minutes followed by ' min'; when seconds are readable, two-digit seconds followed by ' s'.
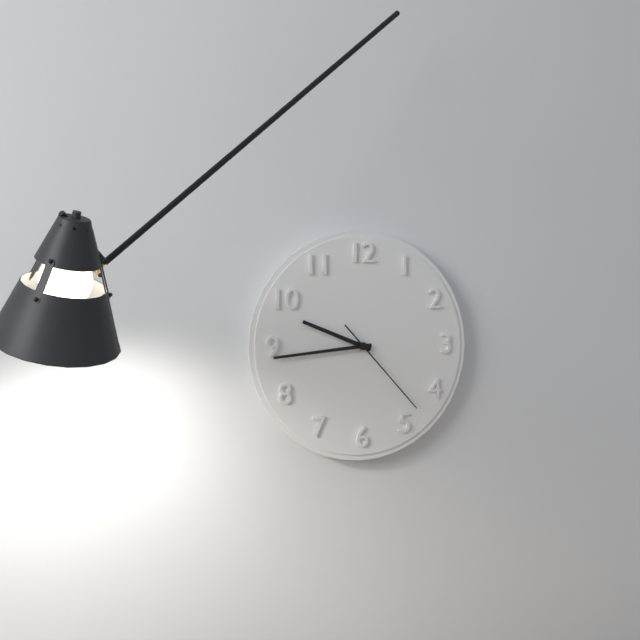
9 h 44 min 23 s
